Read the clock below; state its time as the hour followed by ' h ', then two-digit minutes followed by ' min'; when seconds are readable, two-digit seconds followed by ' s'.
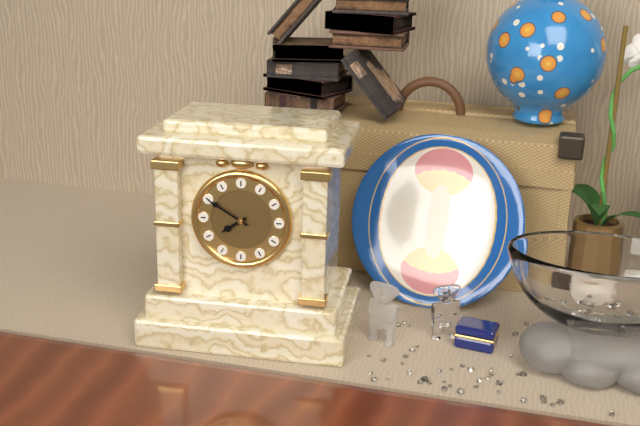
7 h 50 min
